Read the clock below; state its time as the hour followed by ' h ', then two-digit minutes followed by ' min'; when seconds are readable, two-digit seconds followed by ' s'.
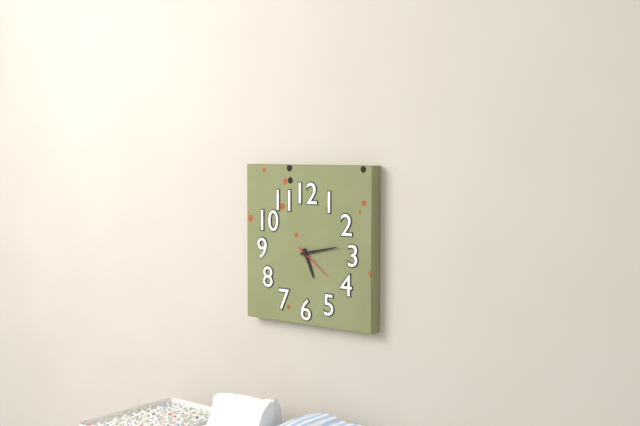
5 h 13 min
